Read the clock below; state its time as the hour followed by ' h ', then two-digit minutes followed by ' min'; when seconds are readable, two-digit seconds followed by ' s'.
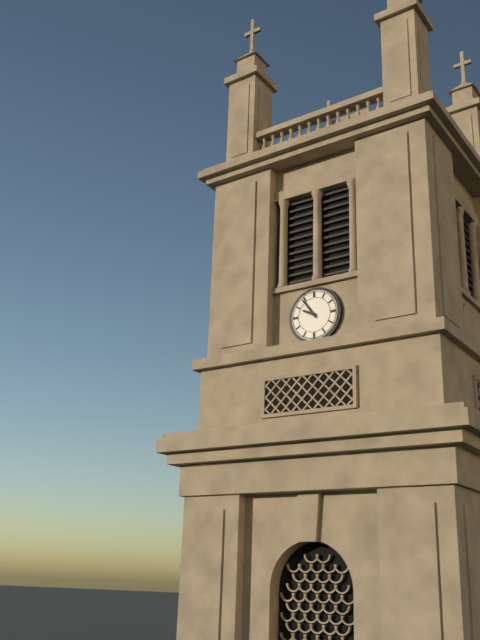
9 h 54 min
